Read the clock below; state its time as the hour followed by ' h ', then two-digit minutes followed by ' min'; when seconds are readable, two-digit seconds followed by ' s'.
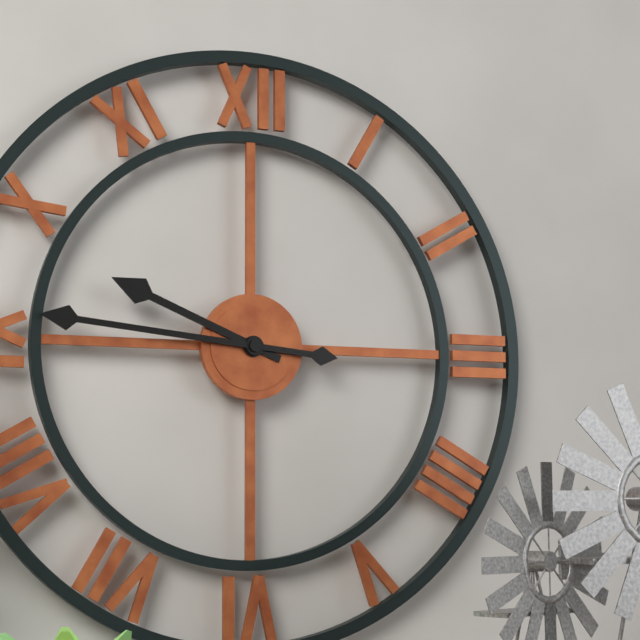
9 h 46 min
